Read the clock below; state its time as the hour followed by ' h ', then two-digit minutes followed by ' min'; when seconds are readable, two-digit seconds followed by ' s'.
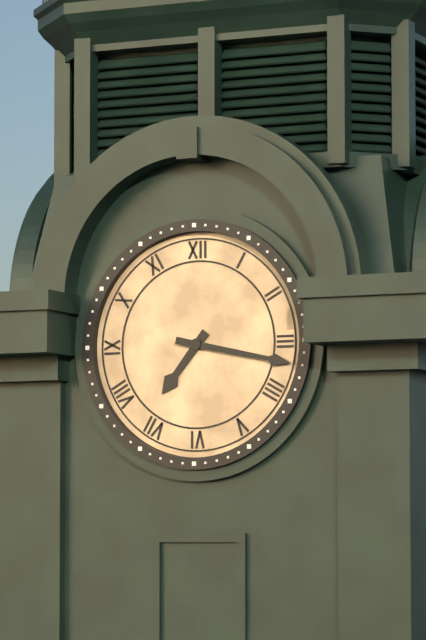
7 h 17 min
